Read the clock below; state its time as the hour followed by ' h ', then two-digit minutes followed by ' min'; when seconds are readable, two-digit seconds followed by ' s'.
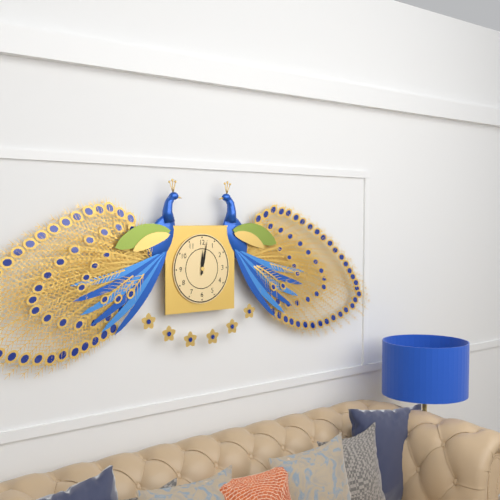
12 h 02 min
